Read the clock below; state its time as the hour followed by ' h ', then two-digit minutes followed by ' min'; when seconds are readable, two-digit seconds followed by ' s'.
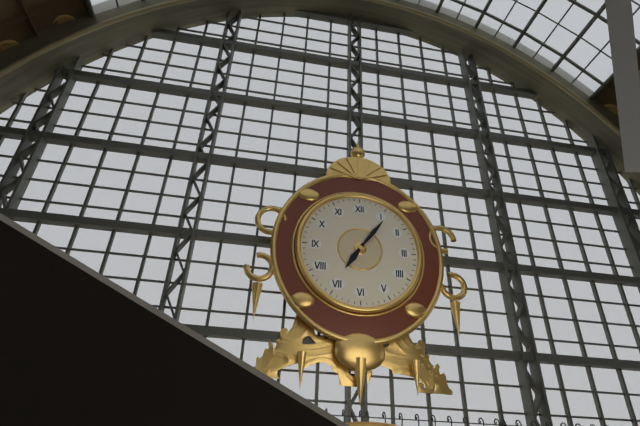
7 h 06 min
